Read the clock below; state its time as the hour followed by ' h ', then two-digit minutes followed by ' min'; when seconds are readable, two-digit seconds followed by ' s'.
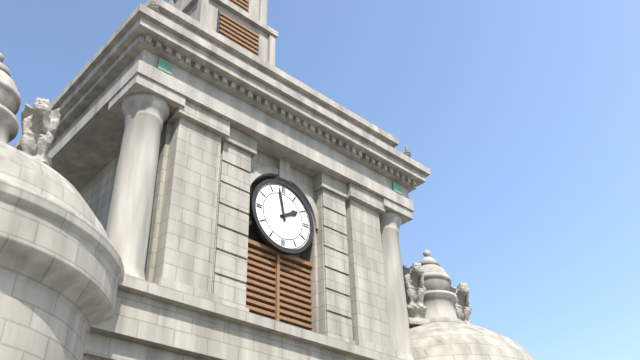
1 h 58 min
